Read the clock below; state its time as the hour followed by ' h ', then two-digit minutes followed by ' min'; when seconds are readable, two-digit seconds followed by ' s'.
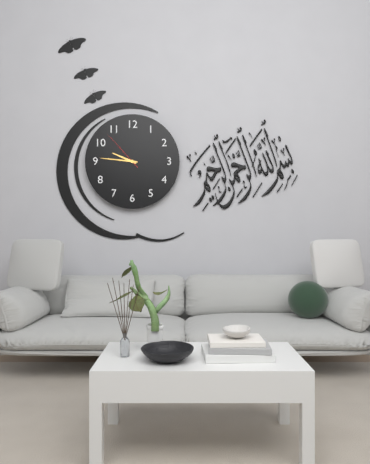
9 h 46 min
